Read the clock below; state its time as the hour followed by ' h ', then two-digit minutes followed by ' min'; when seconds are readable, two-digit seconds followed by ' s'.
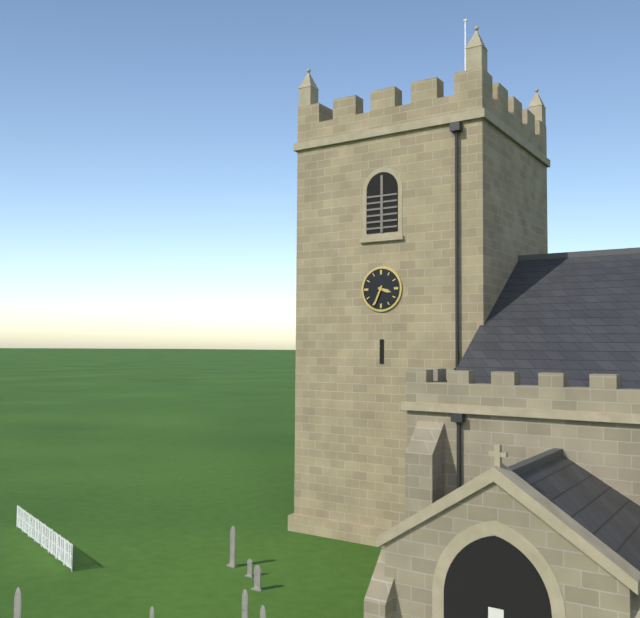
3 h 34 min
